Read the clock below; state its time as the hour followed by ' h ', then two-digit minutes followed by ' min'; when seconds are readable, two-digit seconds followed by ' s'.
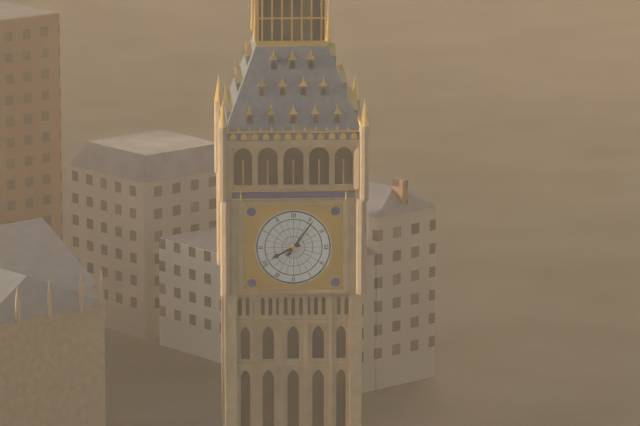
8 h 06 min
